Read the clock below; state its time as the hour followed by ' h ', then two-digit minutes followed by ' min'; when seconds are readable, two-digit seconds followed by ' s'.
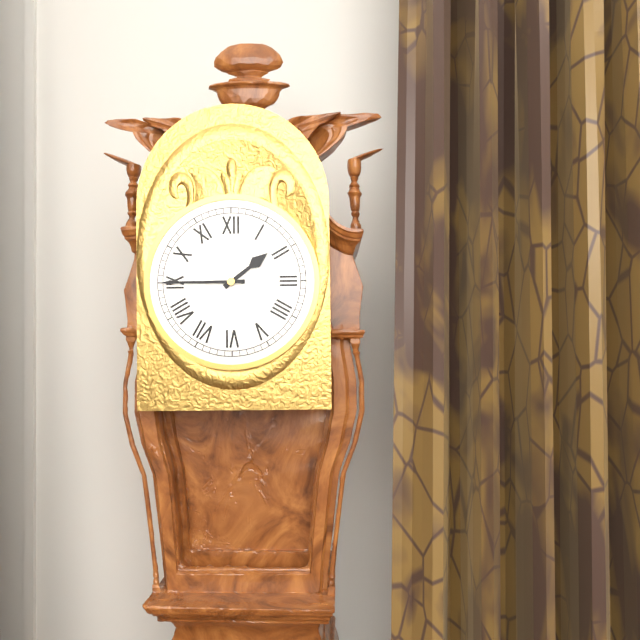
1 h 45 min
